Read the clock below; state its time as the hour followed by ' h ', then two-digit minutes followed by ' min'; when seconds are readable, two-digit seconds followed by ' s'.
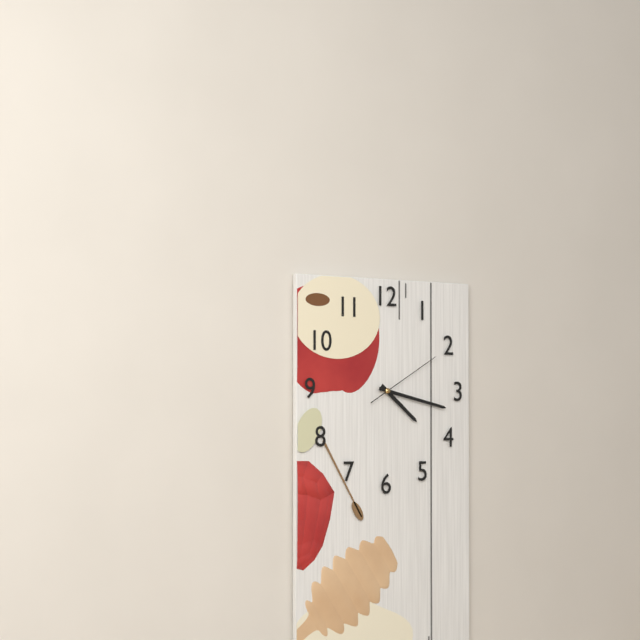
4 h 17 min 10 s
